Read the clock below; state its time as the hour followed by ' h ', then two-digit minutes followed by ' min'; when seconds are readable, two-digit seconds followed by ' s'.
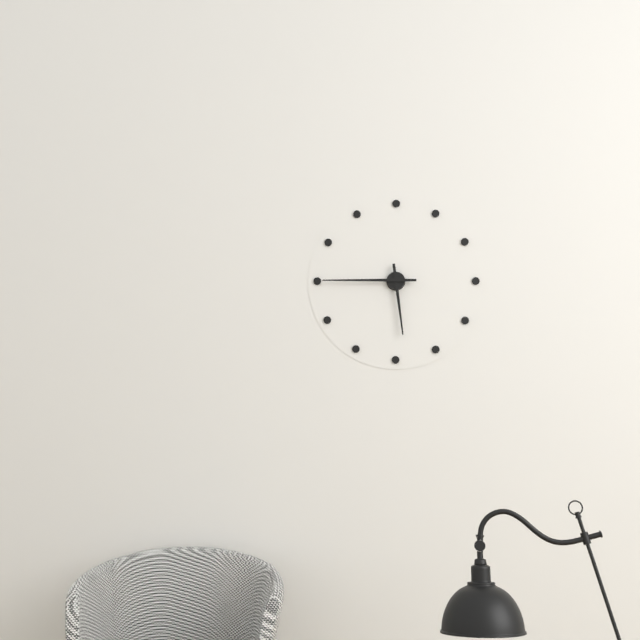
5 h 45 min
